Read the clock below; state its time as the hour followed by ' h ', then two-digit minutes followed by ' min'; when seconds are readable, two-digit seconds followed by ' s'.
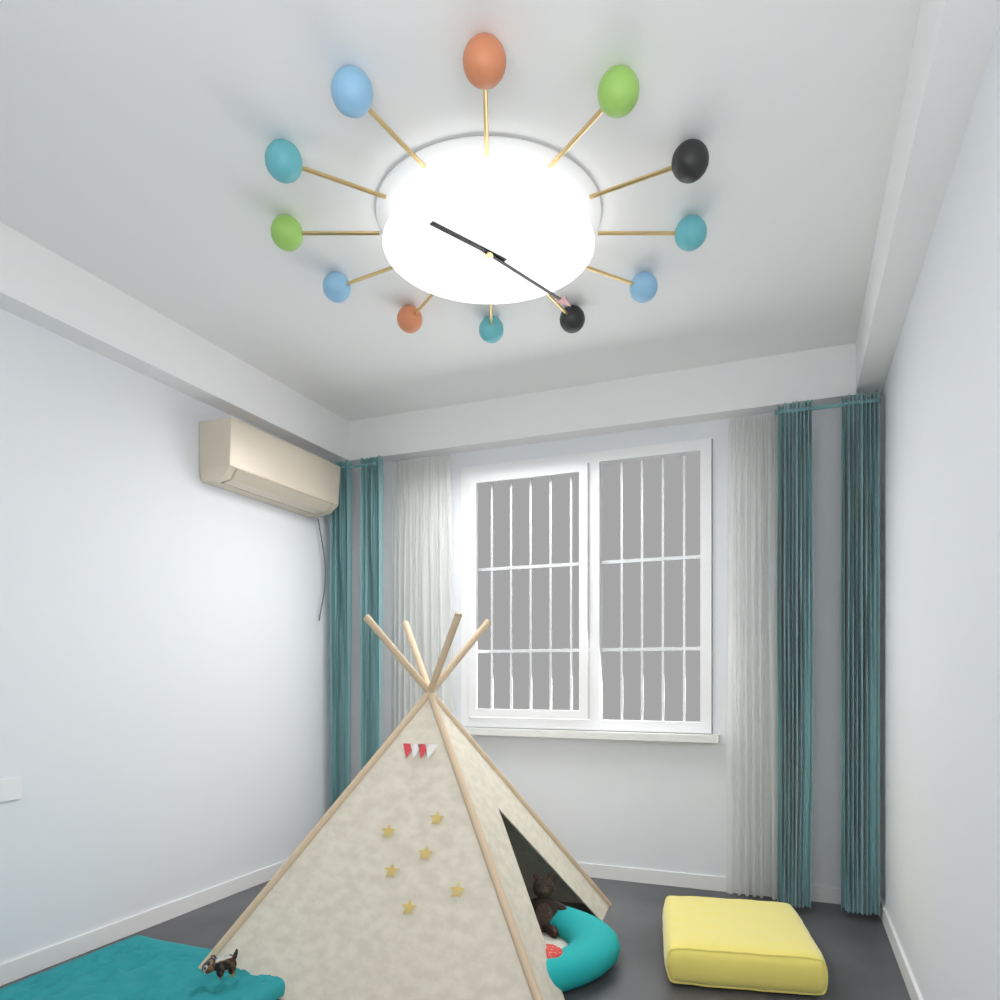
10 h 23 min
